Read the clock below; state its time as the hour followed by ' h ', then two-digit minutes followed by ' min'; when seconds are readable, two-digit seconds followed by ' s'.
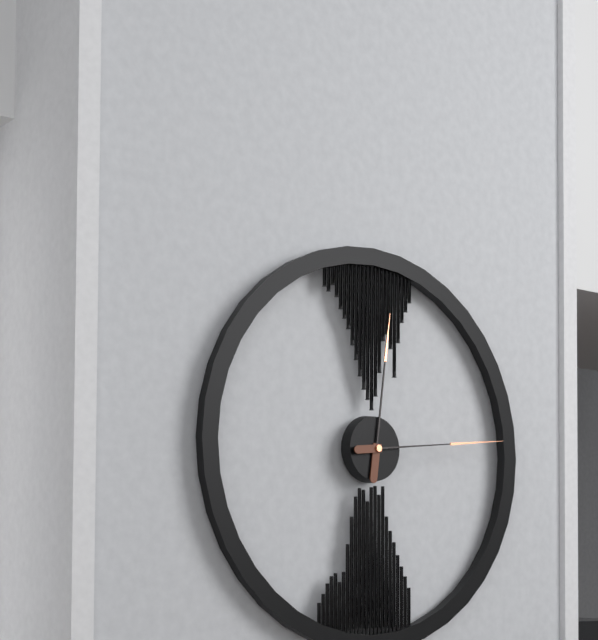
12 h 14 min
